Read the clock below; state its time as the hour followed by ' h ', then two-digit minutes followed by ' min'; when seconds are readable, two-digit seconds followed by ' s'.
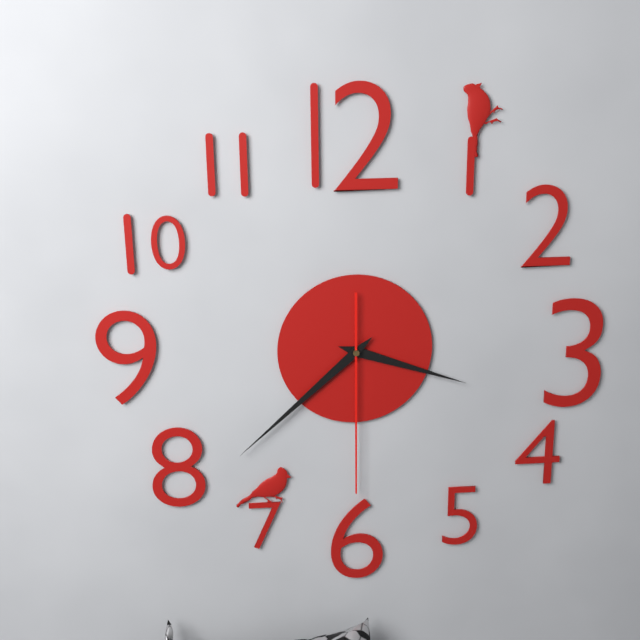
3 h 38 min 30 s
